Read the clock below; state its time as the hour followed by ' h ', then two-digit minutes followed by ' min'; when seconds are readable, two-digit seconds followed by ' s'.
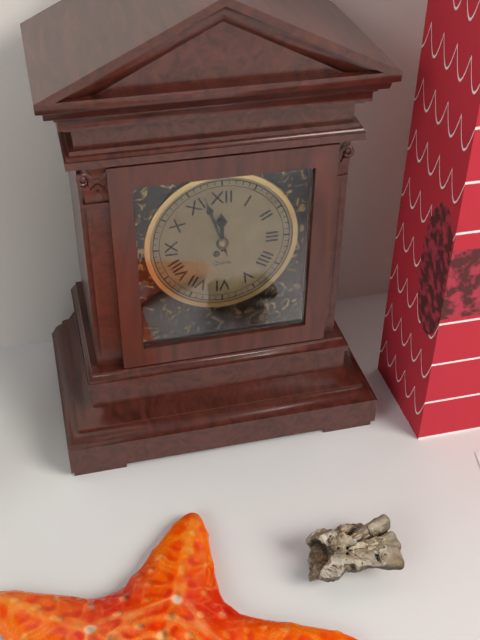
11 h 57 min 57 s
